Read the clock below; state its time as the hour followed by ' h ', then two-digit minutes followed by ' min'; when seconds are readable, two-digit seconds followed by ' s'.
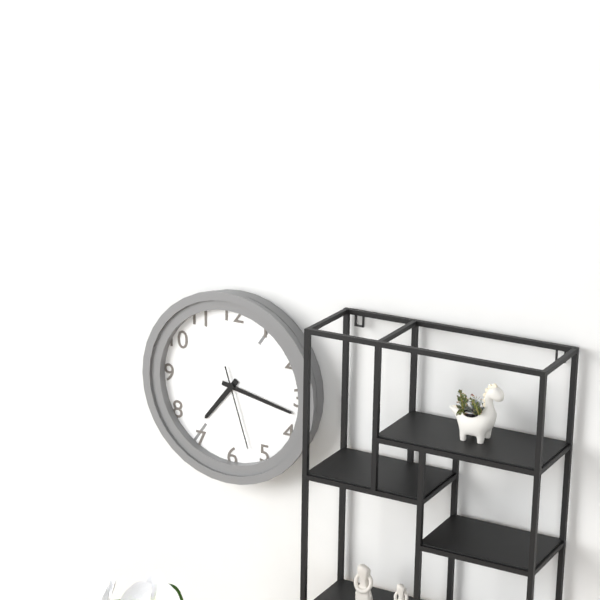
7 h 17 min 27 s
